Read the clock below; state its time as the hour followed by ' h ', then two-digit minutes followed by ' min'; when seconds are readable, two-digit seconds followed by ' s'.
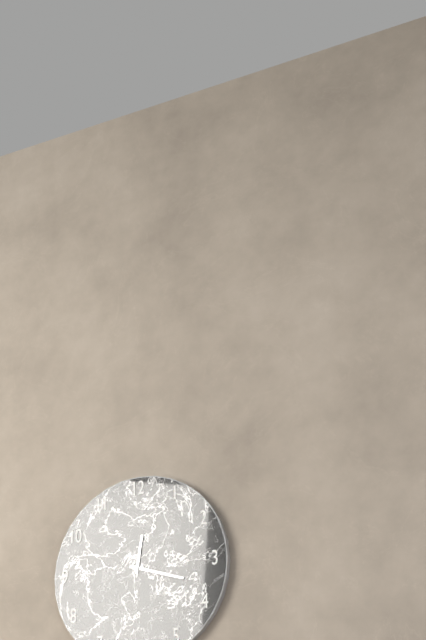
12 h 18 min
